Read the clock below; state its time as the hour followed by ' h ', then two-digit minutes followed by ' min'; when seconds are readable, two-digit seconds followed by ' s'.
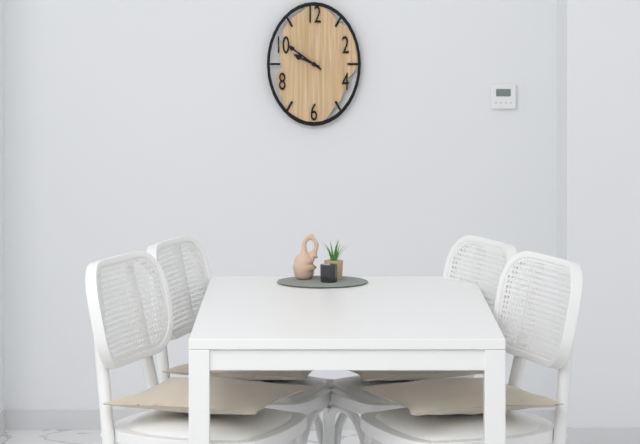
9 h 51 min
